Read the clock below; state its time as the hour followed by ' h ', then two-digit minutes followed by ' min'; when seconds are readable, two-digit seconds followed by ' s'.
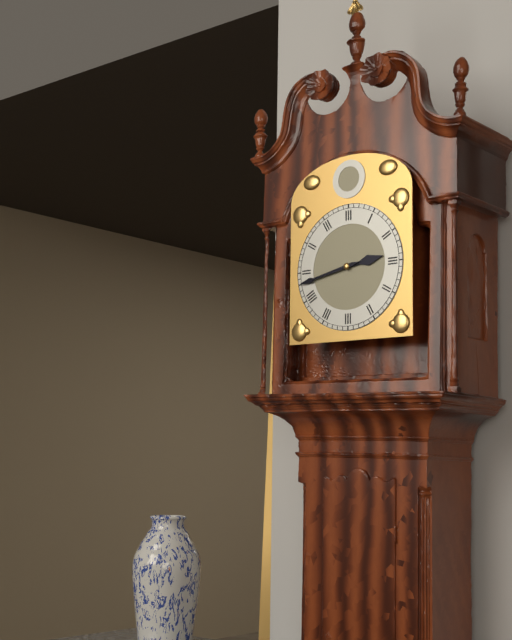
2 h 43 min
